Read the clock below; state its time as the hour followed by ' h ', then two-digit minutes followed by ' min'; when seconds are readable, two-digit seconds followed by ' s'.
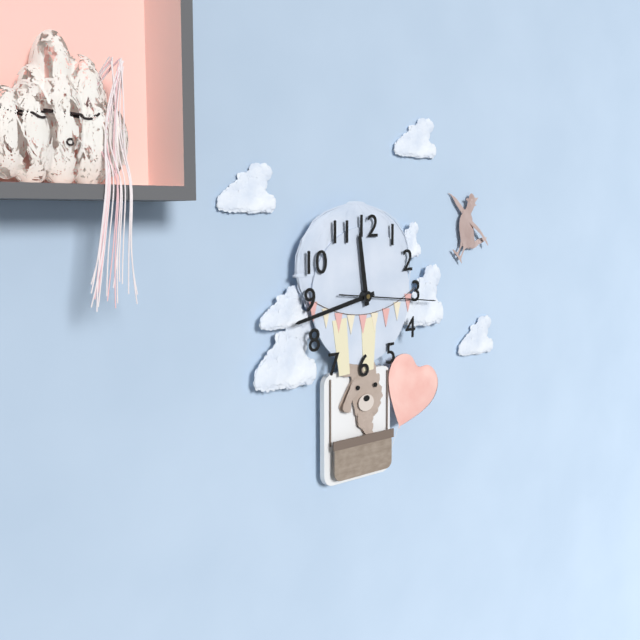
11 h 43 min 16 s
